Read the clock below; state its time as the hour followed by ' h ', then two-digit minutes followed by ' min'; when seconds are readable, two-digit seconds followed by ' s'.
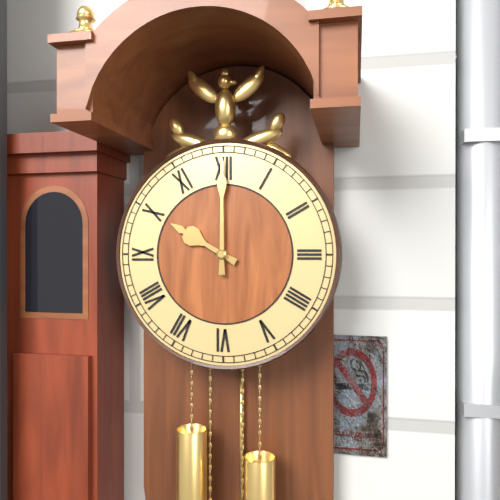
10 h 00 min
